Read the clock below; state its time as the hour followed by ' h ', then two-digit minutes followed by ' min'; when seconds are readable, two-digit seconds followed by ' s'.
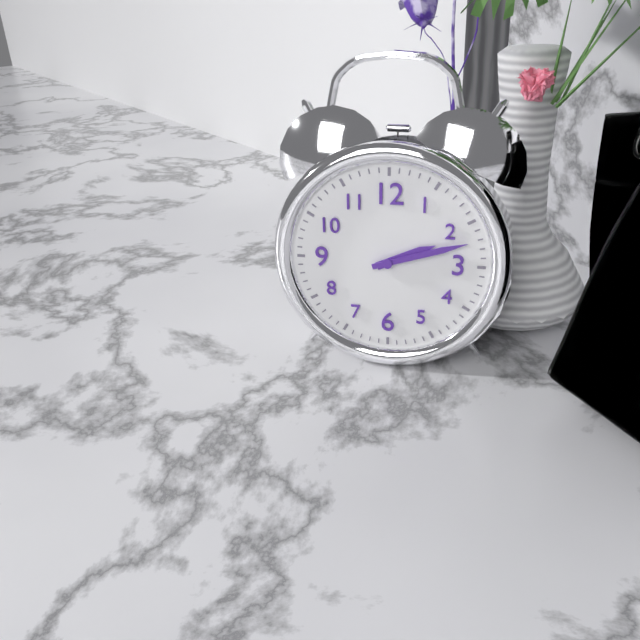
2 h 12 min
